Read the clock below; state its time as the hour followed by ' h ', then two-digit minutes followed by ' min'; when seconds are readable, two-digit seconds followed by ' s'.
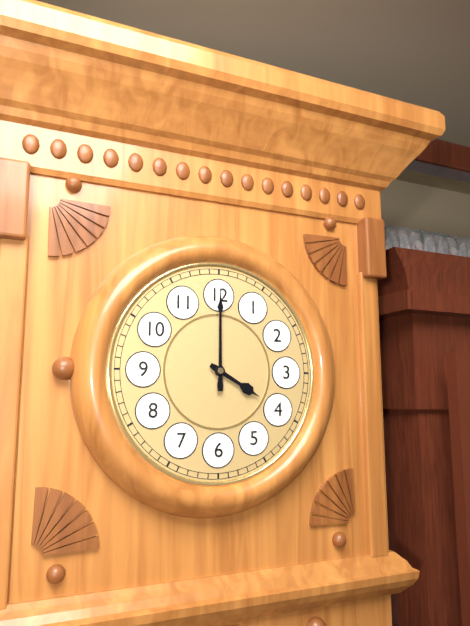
4 h 00 min
